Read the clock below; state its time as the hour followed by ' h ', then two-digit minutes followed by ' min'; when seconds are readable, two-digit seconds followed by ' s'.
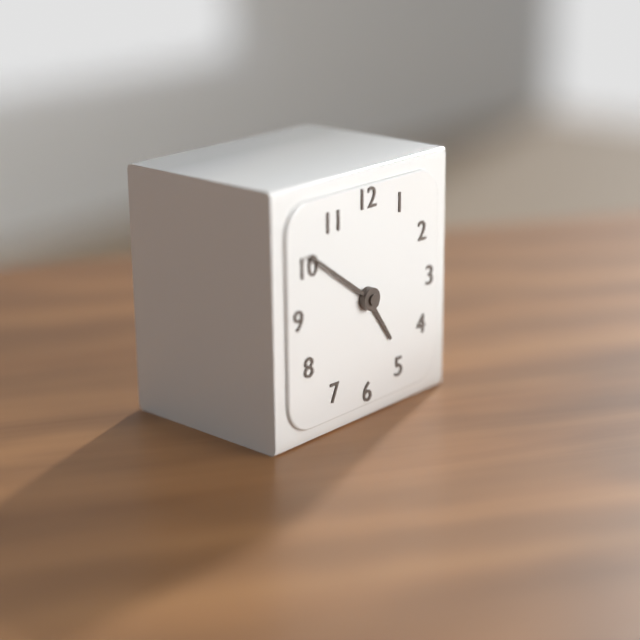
4 h 51 min
